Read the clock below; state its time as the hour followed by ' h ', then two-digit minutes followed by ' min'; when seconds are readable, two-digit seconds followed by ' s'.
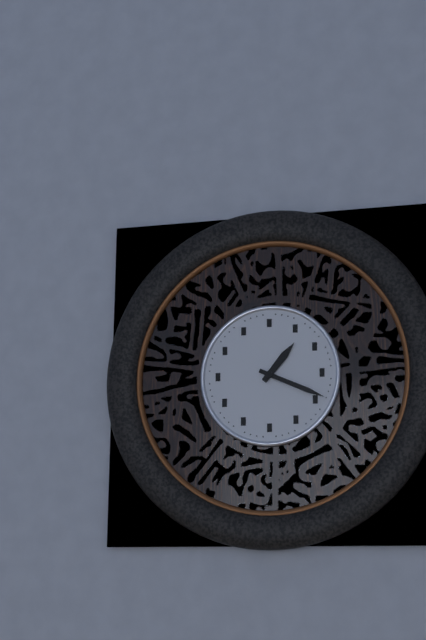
1 h 19 min
